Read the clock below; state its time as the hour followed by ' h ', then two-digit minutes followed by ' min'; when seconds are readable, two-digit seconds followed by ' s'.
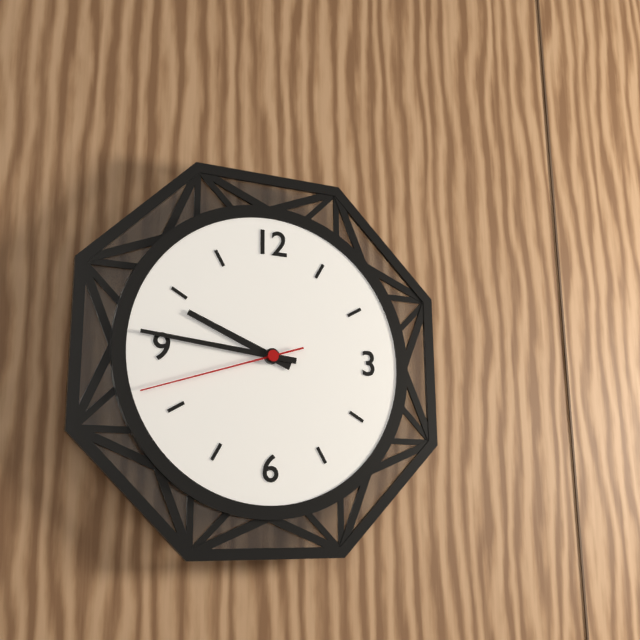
9 h 46 min 42 s
